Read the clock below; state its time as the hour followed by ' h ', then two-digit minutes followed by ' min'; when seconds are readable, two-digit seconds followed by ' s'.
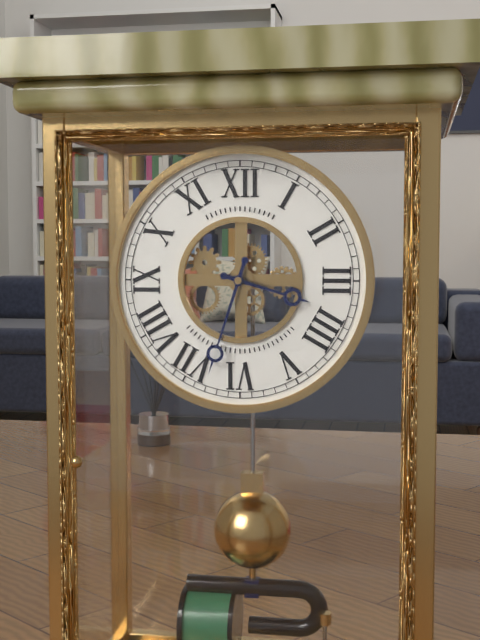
3 h 33 min
